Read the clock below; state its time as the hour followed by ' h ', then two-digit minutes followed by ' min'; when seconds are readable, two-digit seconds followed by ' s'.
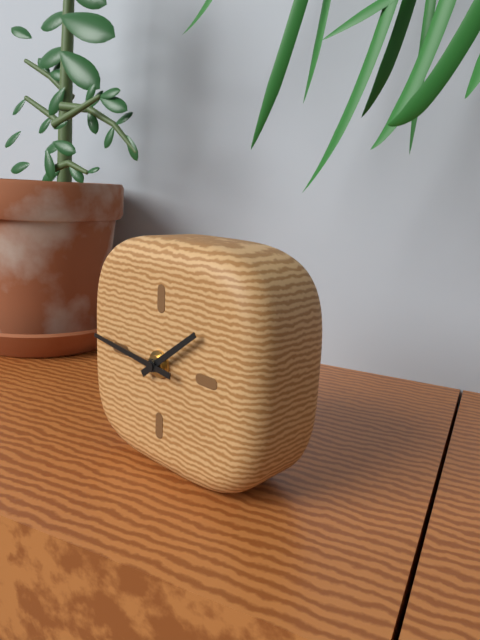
1 h 46 min
